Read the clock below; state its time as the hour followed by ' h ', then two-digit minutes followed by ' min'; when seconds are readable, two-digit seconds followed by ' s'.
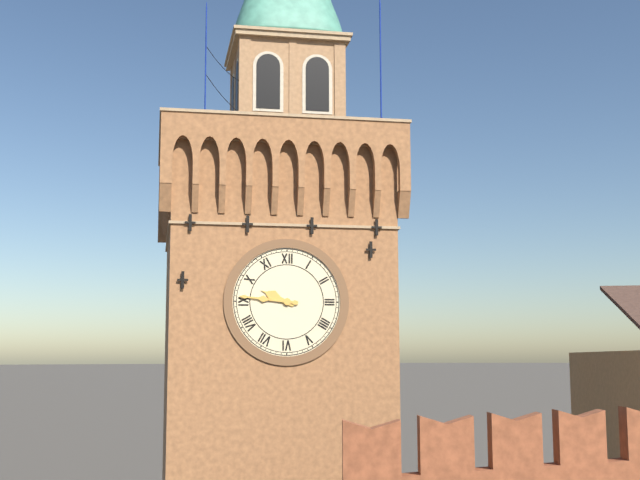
9 h 46 min
